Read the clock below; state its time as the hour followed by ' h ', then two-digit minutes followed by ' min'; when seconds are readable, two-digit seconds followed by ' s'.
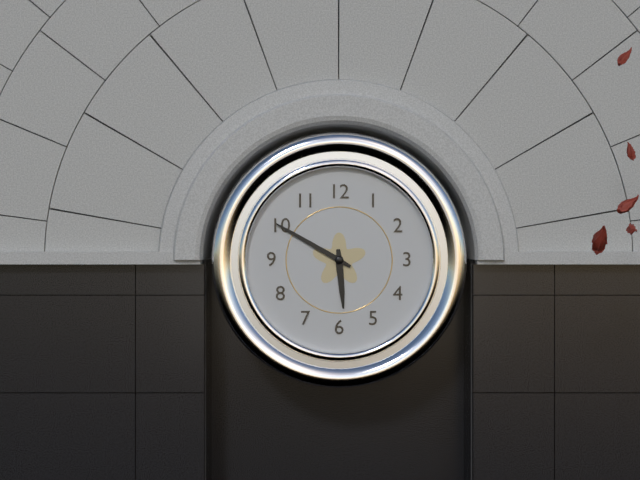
5 h 50 min
